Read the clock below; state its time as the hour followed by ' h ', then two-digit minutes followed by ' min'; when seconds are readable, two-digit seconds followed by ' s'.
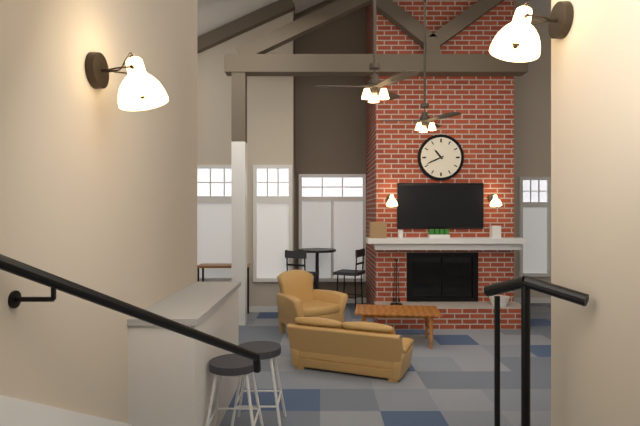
10 h 41 min
